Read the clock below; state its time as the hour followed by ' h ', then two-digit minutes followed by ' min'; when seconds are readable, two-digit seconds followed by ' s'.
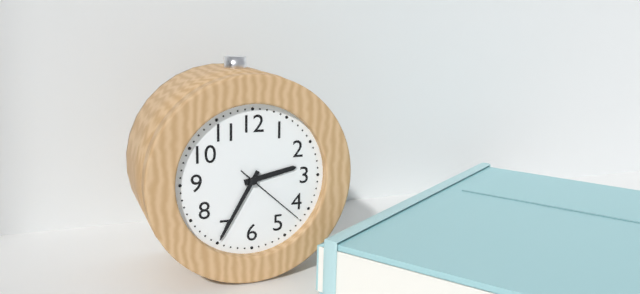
2 h 35 min 22 s
